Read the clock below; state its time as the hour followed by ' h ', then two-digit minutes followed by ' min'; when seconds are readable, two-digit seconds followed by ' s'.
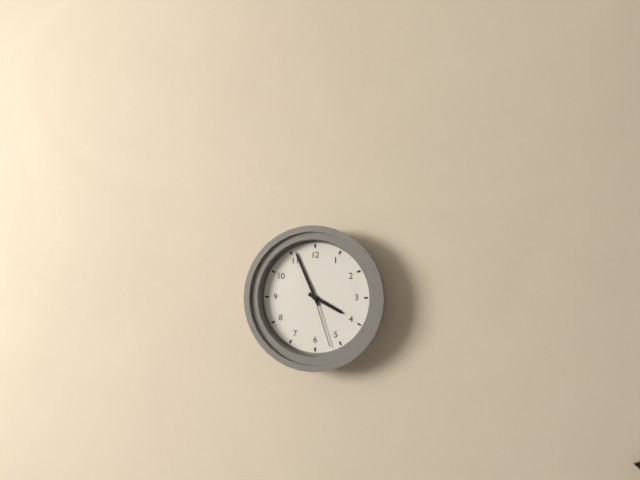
3 h 56 min 27 s
